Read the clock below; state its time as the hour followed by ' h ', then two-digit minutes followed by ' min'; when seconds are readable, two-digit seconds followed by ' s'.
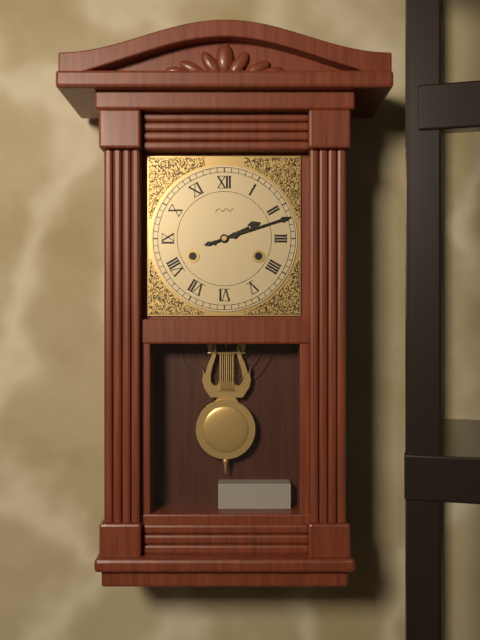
2 h 12 min
